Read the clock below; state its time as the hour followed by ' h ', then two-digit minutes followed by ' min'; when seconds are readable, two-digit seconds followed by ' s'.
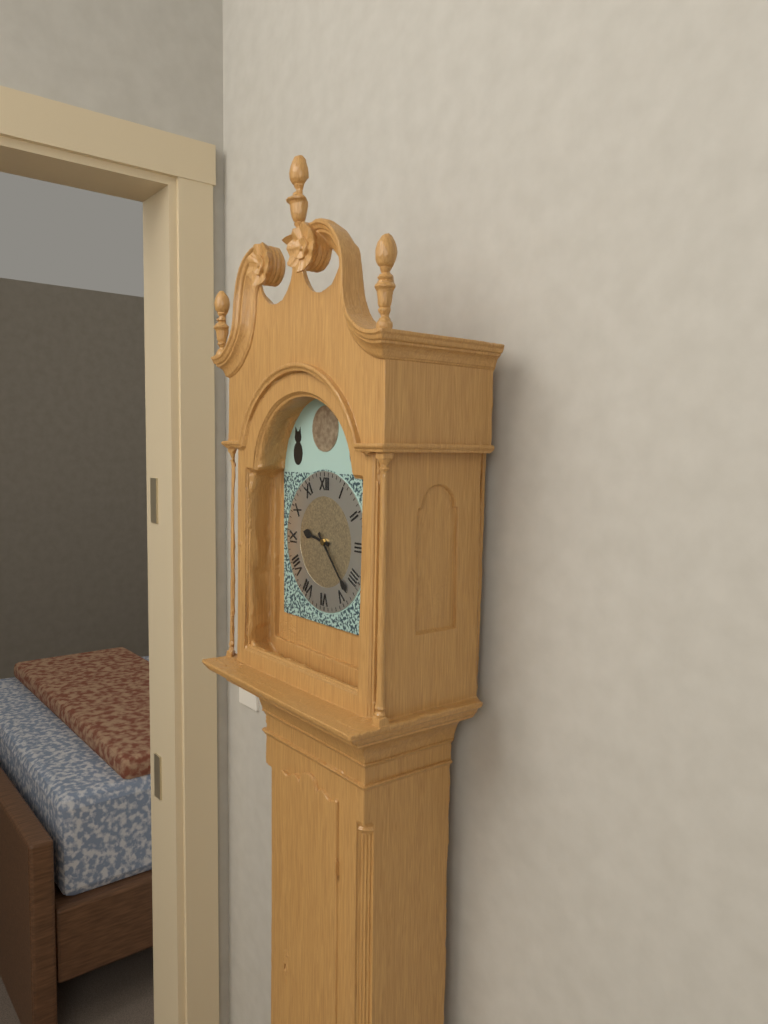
9 h 23 min
